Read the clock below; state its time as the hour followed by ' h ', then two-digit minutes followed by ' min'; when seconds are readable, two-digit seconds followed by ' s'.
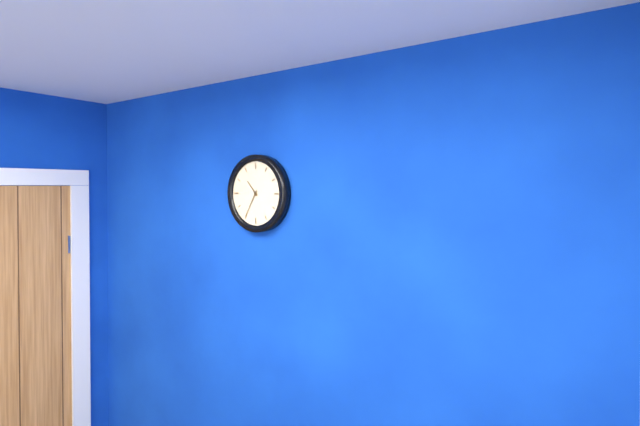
10 h 35 min
